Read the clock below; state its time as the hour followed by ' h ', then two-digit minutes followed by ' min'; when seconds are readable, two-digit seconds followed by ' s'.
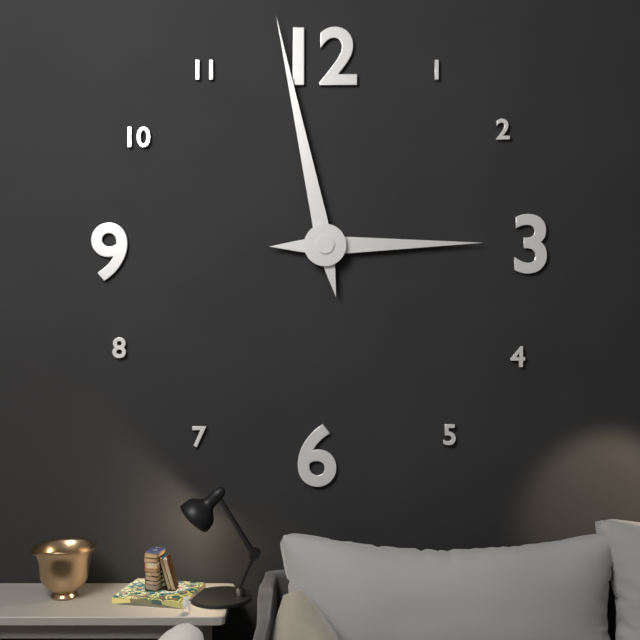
2 h 58 min
